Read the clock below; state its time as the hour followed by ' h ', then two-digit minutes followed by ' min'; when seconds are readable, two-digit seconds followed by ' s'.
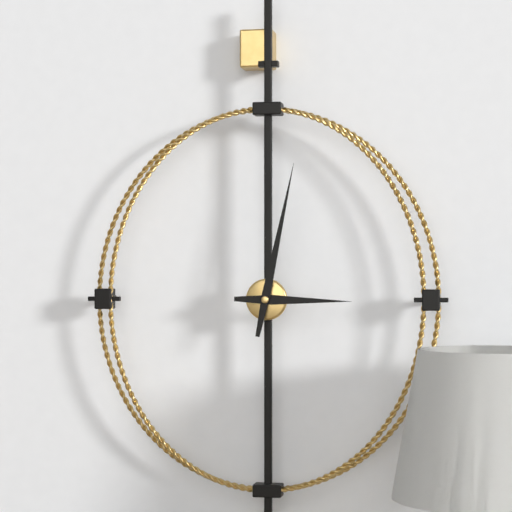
3 h 02 min
